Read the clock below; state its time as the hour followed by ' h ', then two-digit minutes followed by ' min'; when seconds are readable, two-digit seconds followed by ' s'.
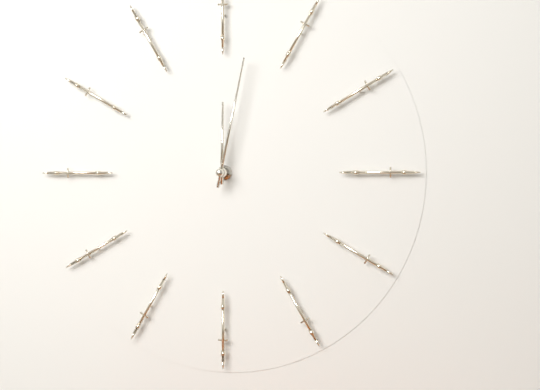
12 h 02 min
